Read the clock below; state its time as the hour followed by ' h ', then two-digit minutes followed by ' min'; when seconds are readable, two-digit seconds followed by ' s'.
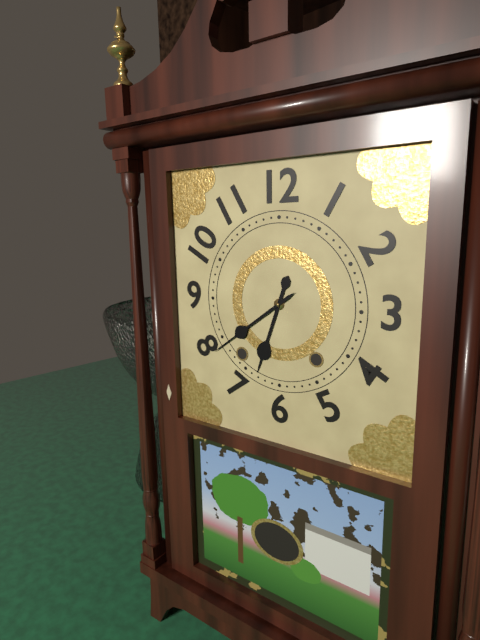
6 h 39 min
